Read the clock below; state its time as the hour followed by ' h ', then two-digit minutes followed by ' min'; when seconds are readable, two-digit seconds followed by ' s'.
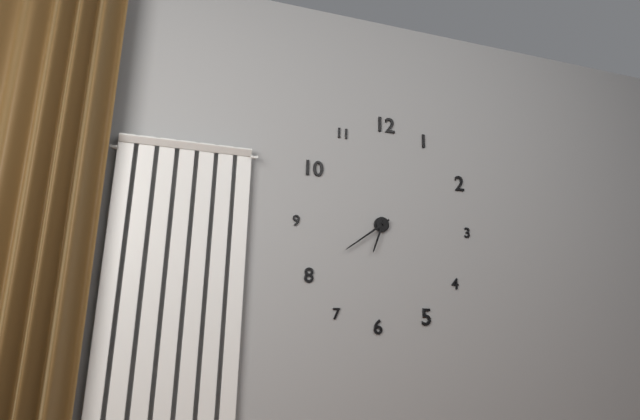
6 h 39 min
